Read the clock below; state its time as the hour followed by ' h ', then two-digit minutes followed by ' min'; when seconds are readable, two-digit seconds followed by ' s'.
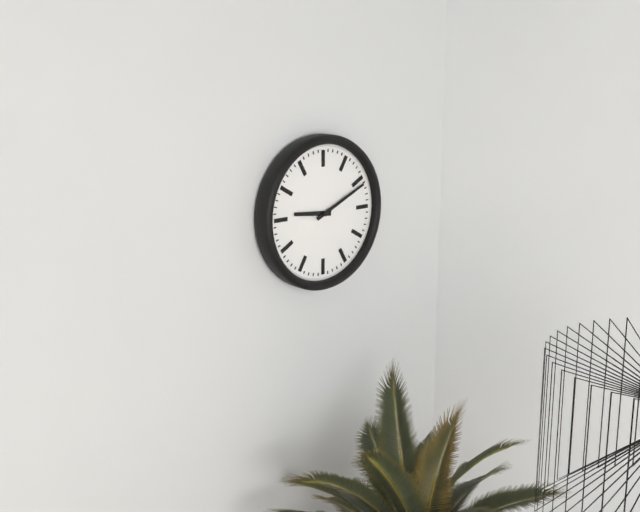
9 h 11 min
